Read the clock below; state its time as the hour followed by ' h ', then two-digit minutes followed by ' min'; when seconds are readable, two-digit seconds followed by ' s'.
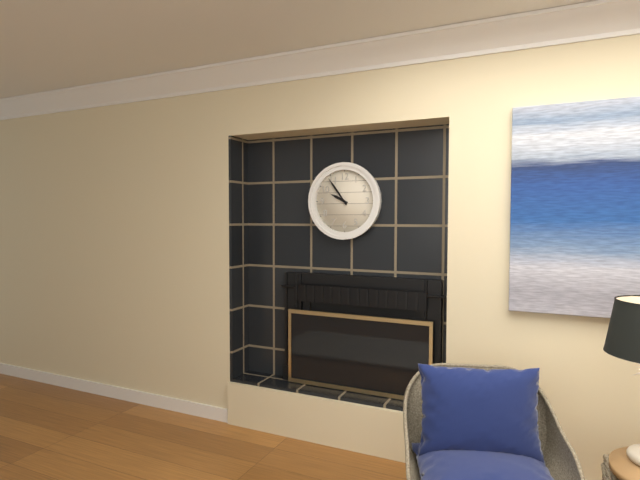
9 h 54 min
